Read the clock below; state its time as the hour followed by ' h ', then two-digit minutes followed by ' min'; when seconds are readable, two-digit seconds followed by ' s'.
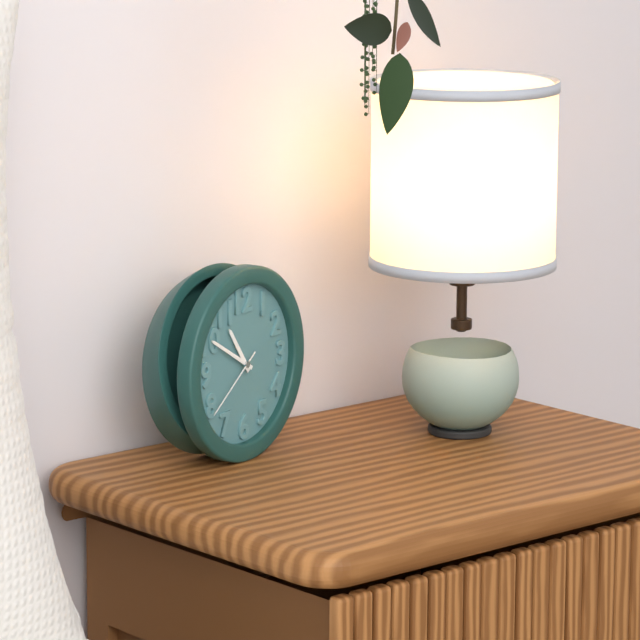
10 h 50 min 39 s
